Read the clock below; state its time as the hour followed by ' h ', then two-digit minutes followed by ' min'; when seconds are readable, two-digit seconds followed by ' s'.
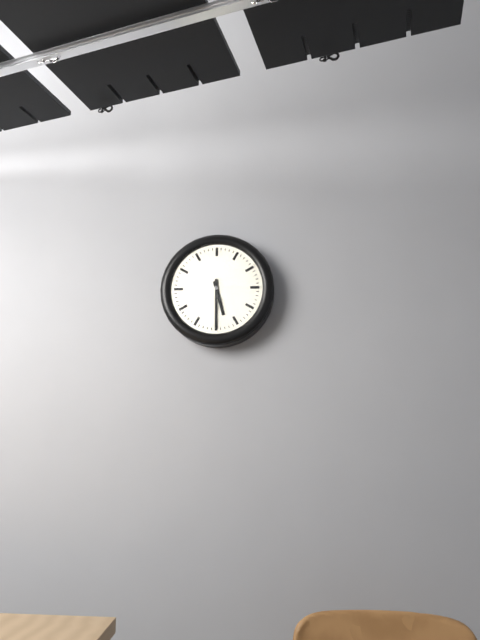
5 h 30 min
